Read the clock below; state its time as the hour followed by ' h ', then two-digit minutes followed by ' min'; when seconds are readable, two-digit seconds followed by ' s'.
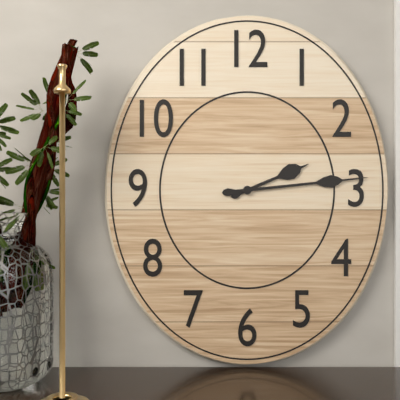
2 h 14 min
